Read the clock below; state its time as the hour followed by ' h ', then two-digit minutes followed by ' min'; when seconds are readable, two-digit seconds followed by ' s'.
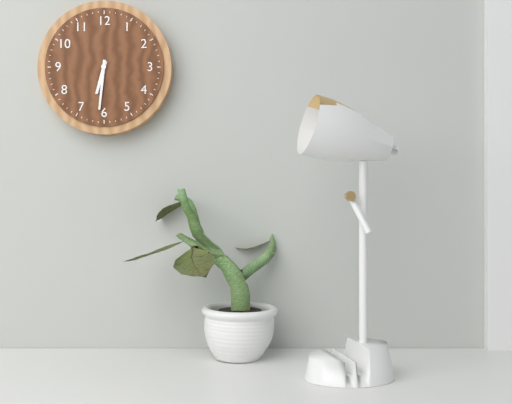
6 h 31 min
